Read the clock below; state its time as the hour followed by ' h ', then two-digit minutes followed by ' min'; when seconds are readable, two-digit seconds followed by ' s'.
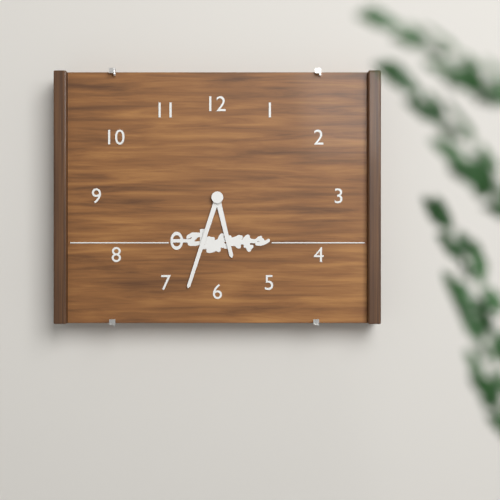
5 h 33 min
